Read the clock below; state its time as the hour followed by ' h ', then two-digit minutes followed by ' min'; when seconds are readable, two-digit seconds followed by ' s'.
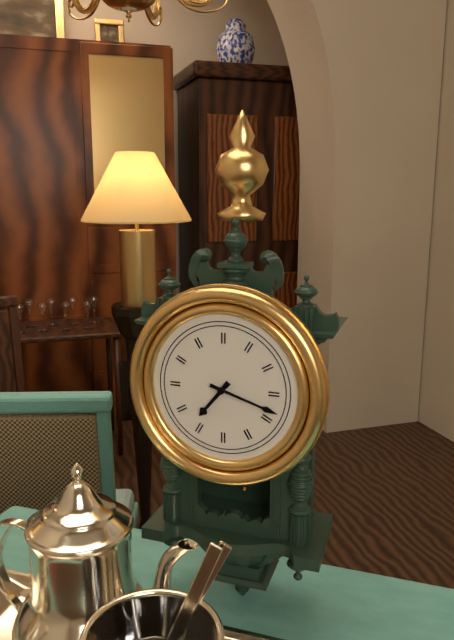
7 h 18 min
